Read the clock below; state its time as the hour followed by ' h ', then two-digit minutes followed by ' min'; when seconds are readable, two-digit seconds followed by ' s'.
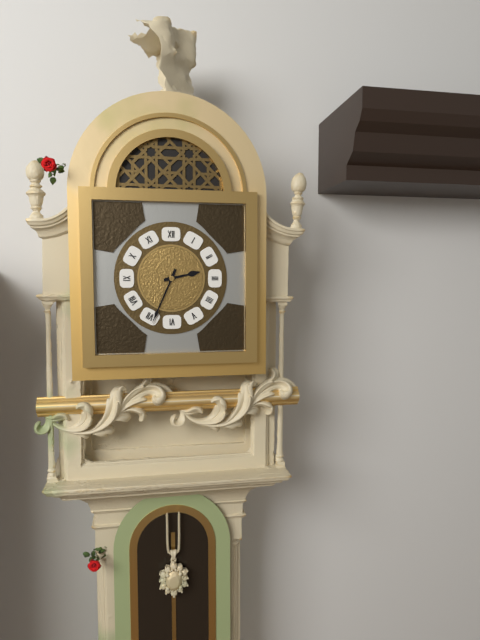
2 h 34 min
